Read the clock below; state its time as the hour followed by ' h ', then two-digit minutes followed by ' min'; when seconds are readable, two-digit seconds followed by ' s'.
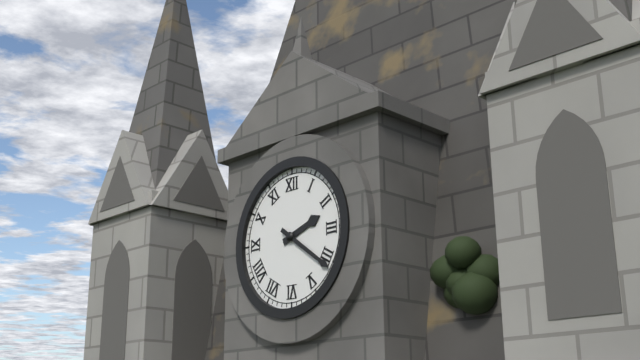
2 h 21 min
